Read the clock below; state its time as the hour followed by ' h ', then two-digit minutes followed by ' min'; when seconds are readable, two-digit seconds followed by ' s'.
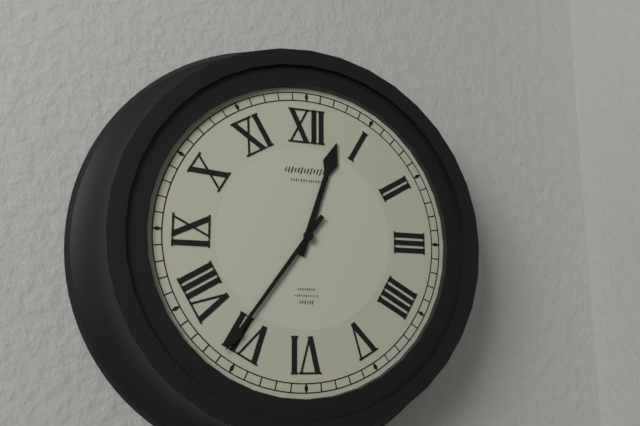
12 h 36 min
